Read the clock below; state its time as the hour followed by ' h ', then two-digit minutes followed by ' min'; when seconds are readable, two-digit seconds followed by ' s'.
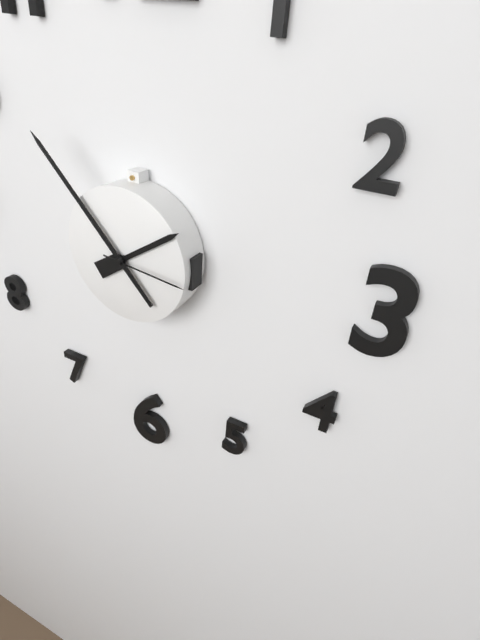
1 h 53 min 16 s
